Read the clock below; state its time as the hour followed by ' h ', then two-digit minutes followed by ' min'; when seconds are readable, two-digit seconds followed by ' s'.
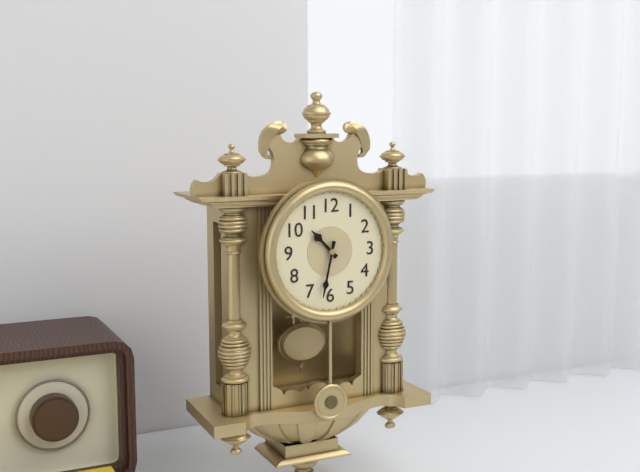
10 h 32 min
